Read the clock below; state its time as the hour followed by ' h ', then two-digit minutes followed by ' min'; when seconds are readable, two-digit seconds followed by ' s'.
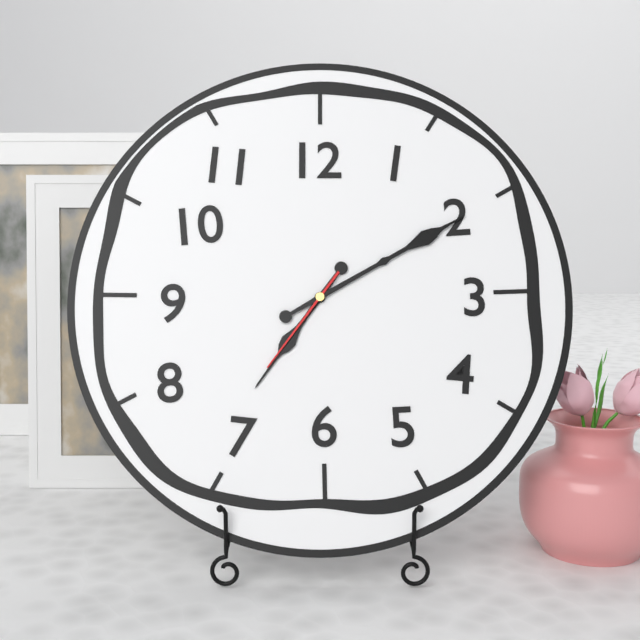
7 h 10 min 36 s
